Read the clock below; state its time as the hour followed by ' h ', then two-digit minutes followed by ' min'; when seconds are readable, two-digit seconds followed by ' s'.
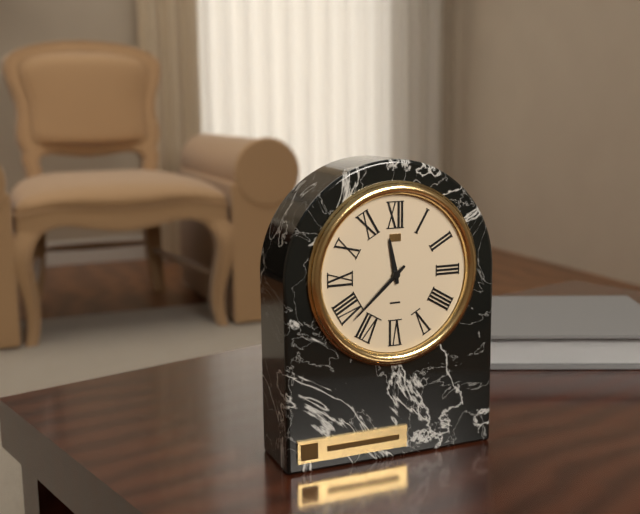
11 h 38 min
